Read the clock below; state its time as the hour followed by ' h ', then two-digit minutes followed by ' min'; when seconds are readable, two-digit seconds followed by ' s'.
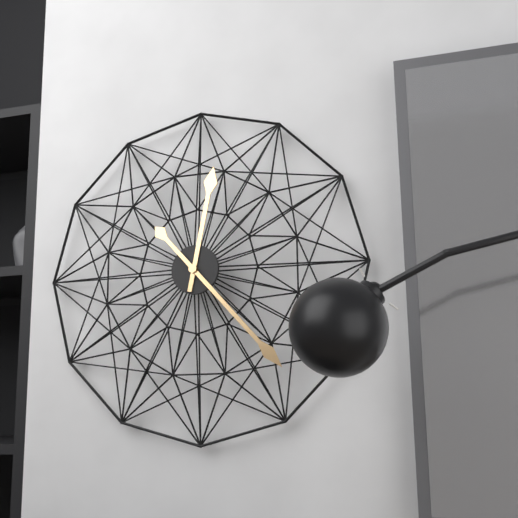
12 h 23 min
